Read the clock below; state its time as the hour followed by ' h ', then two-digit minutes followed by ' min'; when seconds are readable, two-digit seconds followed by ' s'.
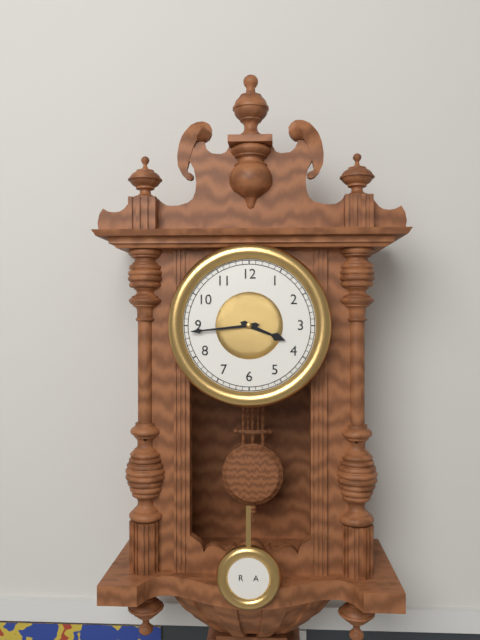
3 h 44 min
